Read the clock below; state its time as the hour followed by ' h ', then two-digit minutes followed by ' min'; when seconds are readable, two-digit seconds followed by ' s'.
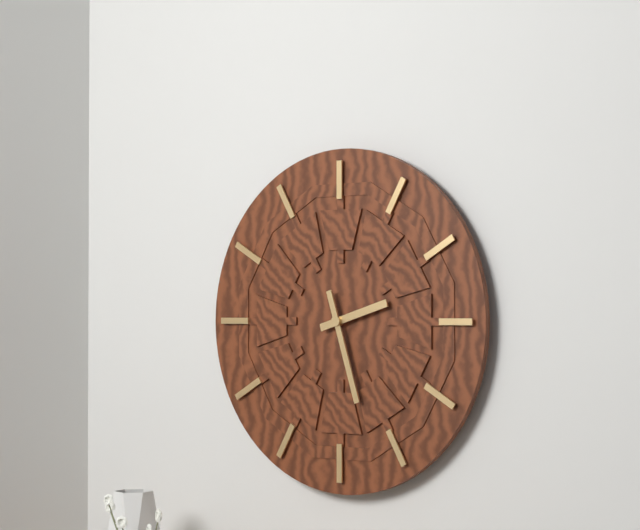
2 h 27 min
